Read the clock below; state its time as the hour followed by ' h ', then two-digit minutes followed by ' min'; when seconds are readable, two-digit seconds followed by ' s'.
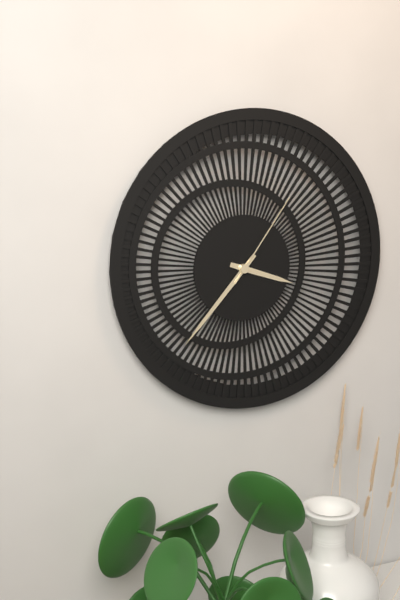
3 h 37 min 06 s
